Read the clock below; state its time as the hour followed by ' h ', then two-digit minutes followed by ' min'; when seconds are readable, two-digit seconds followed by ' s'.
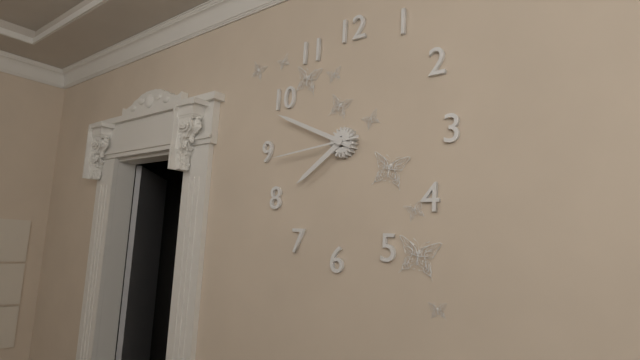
7 h 49 min 44 s
